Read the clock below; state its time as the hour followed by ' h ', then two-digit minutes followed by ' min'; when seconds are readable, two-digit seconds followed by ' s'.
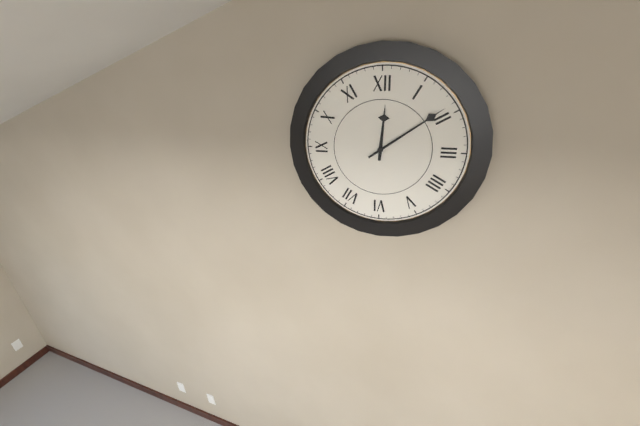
12 h 09 min
